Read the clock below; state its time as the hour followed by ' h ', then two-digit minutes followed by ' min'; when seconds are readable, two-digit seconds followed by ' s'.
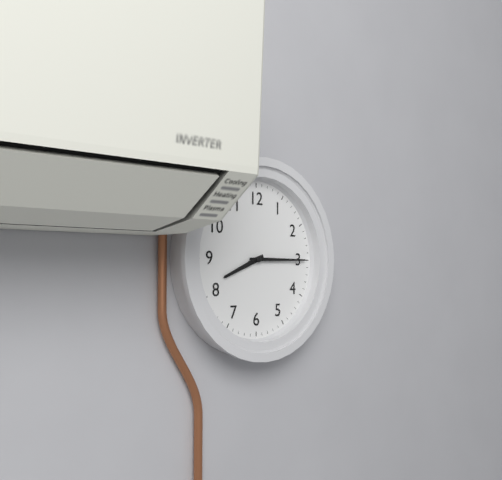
8 h 15 min
